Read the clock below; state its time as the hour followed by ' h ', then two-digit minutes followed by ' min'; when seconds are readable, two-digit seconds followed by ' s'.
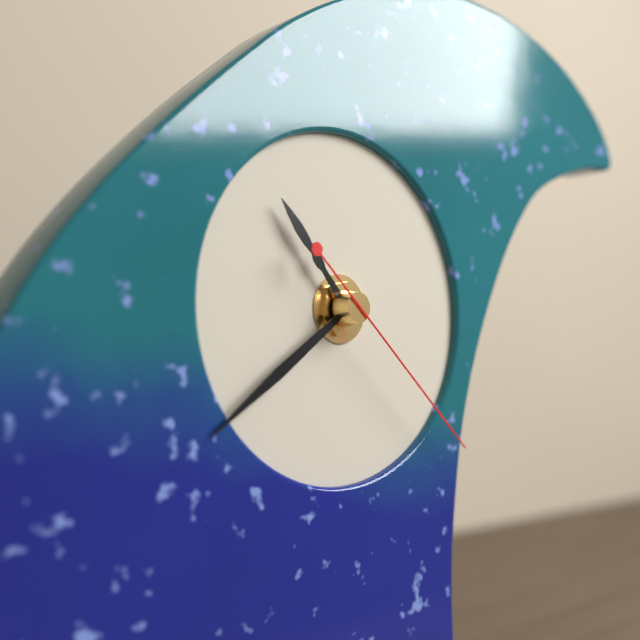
10 h 39 min 22 s
